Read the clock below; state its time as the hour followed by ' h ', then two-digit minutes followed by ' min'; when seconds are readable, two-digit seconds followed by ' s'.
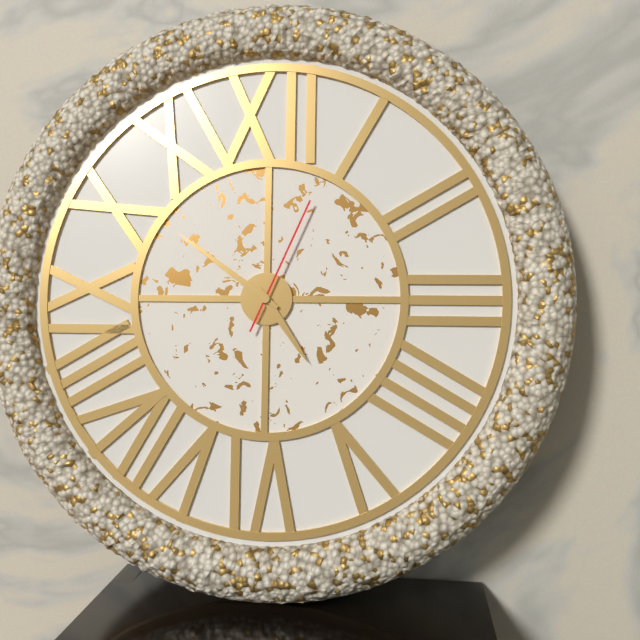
4 h 51 min 04 s
